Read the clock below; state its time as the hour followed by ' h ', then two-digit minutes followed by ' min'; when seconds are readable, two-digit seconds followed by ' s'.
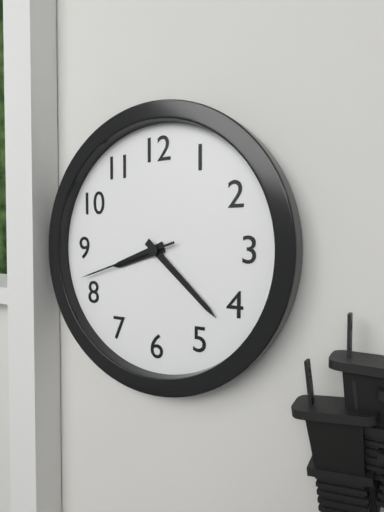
8 h 22 min 42 s
